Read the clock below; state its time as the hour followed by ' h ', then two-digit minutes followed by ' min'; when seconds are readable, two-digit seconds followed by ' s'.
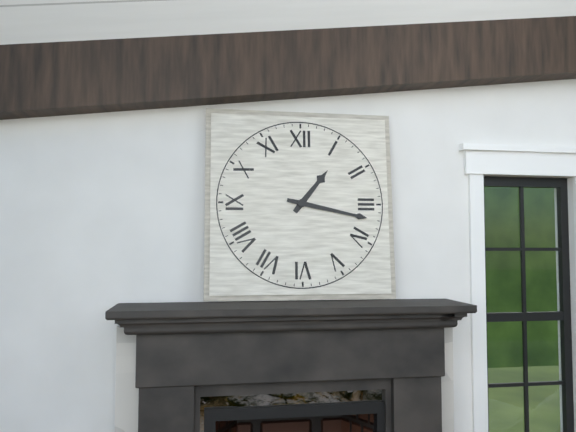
1 h 17 min
